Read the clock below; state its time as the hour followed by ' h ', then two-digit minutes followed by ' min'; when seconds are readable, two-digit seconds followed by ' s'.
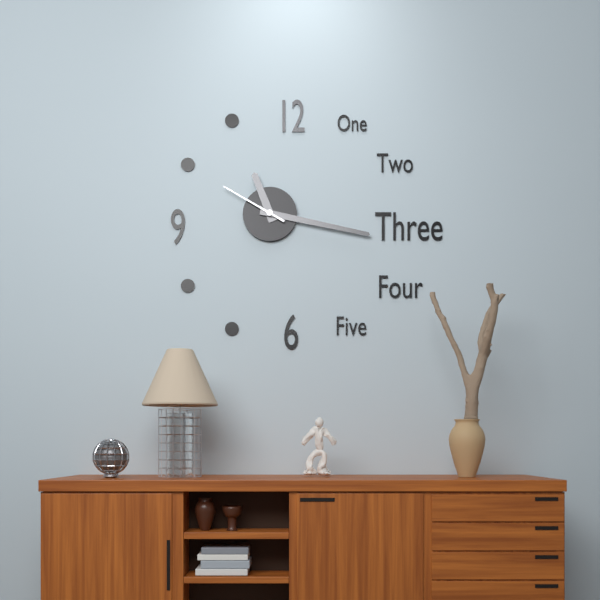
11 h 17 min 50 s
